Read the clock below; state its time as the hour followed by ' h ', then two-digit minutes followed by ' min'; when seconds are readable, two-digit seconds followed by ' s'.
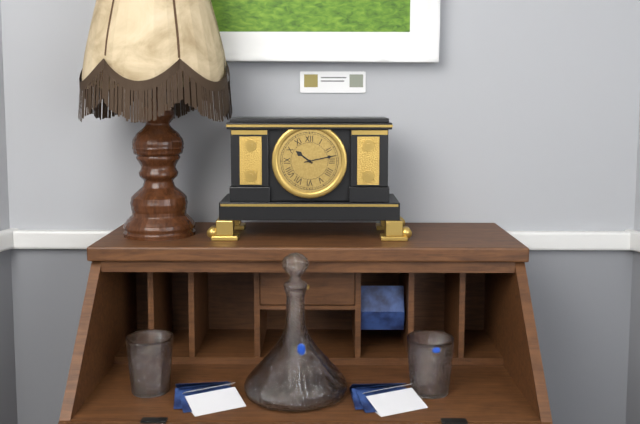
10 h 13 min
